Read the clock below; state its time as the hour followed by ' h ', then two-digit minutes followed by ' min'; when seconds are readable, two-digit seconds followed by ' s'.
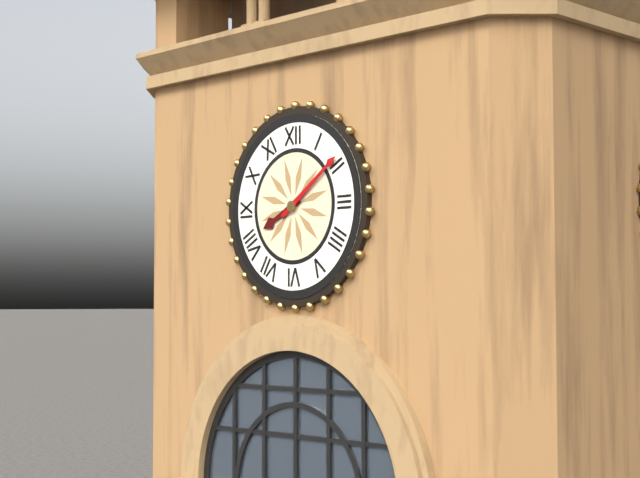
8 h 09 min
